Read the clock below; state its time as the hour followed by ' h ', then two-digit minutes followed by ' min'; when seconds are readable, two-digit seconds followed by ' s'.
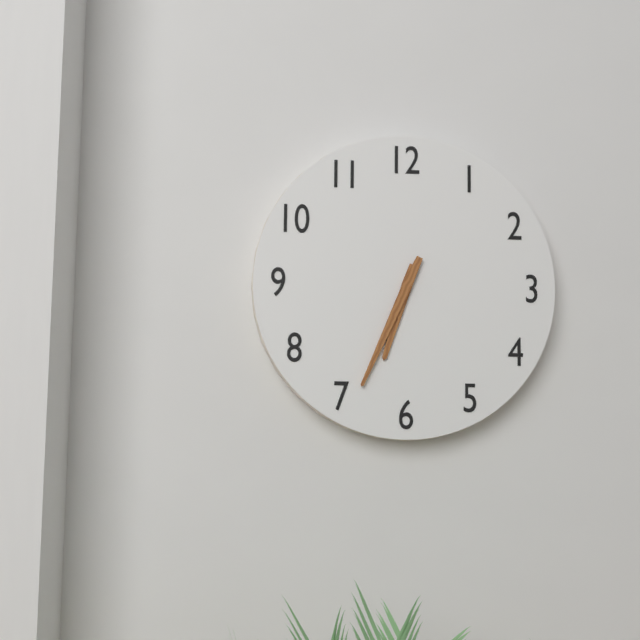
6 h 34 min
